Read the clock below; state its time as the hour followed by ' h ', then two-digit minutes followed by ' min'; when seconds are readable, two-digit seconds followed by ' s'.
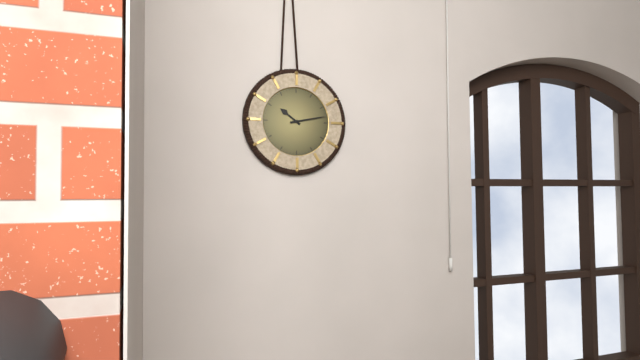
10 h 13 min
